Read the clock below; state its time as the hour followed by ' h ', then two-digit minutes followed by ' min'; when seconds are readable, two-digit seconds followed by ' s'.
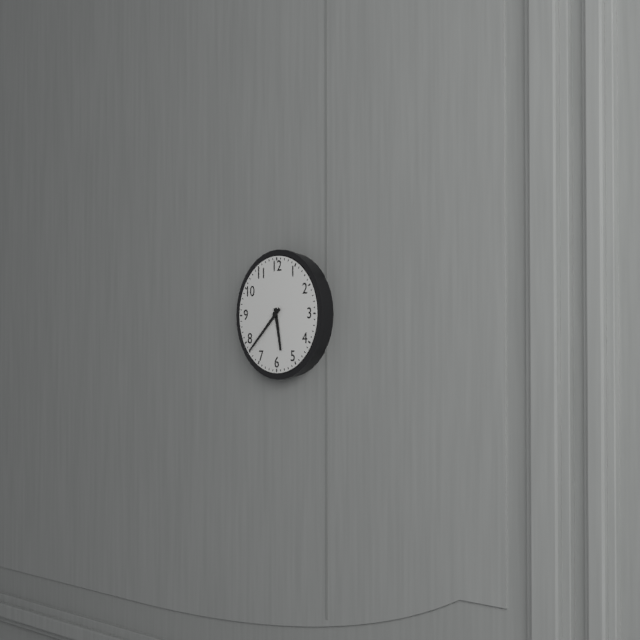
5 h 38 min
